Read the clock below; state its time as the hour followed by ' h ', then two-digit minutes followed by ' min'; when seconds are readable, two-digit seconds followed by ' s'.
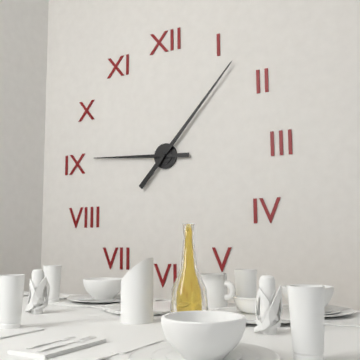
9 h 07 min
